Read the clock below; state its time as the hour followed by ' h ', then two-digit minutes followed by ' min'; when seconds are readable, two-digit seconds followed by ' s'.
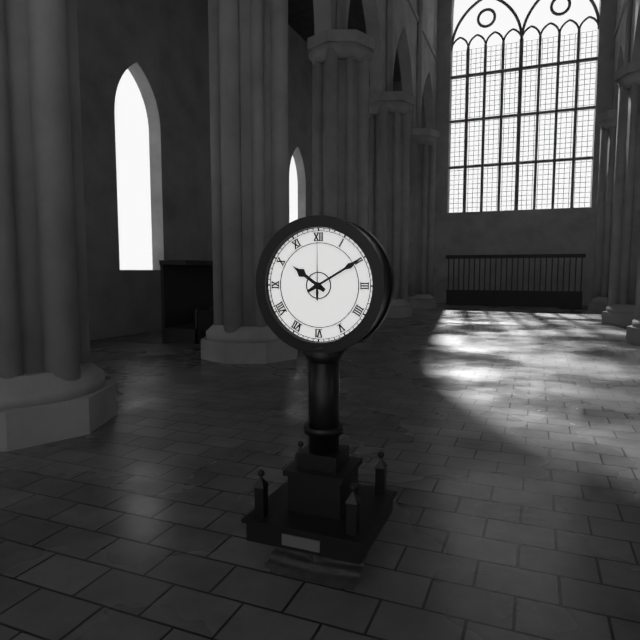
10 h 10 min 00 s
